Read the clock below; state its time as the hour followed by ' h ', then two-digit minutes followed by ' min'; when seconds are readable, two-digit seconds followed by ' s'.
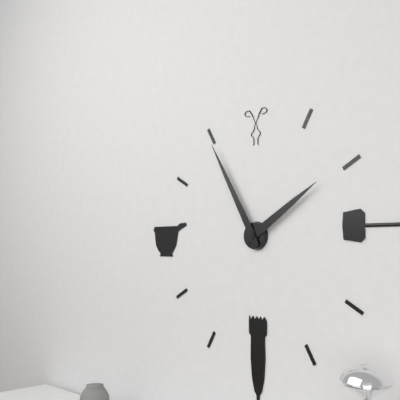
1 h 55 min
